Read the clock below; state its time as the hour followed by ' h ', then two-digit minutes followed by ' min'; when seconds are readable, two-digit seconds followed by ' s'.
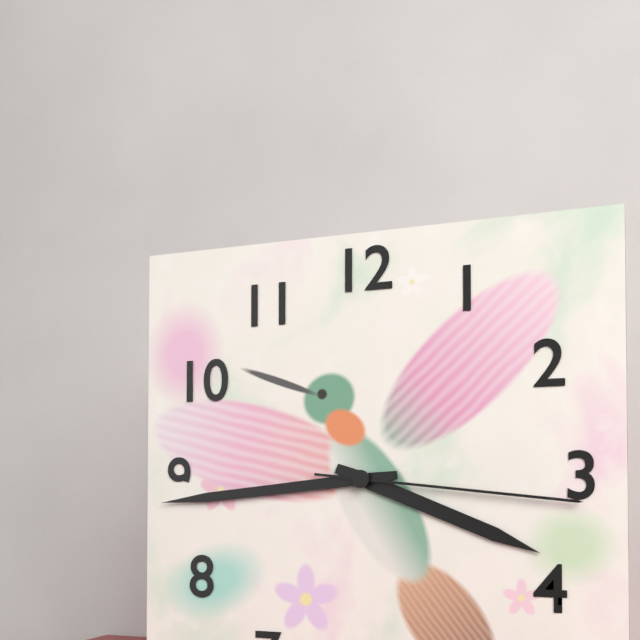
3 h 44 min 16 s
